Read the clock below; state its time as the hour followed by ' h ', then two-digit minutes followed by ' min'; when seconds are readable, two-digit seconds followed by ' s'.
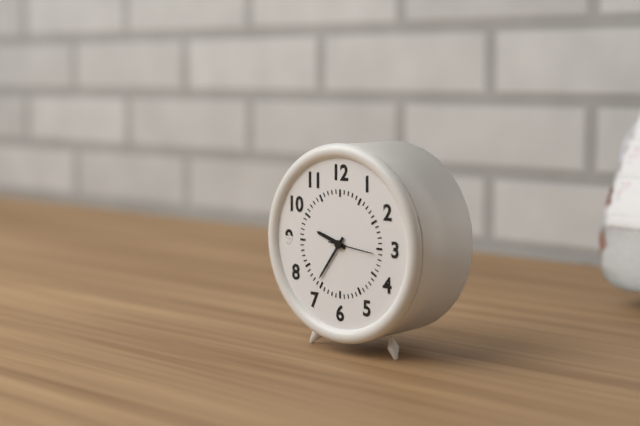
9 h 36 min
